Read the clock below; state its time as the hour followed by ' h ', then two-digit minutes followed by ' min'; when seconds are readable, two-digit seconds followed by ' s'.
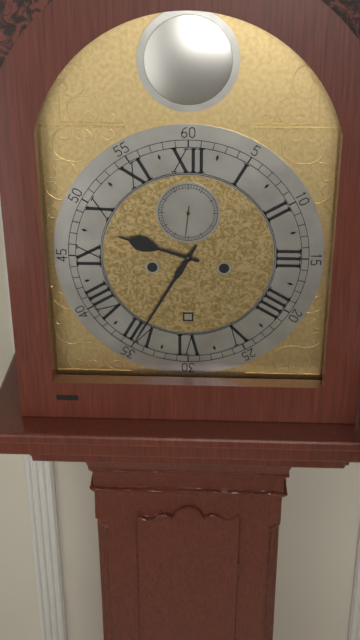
9 h 35 min
